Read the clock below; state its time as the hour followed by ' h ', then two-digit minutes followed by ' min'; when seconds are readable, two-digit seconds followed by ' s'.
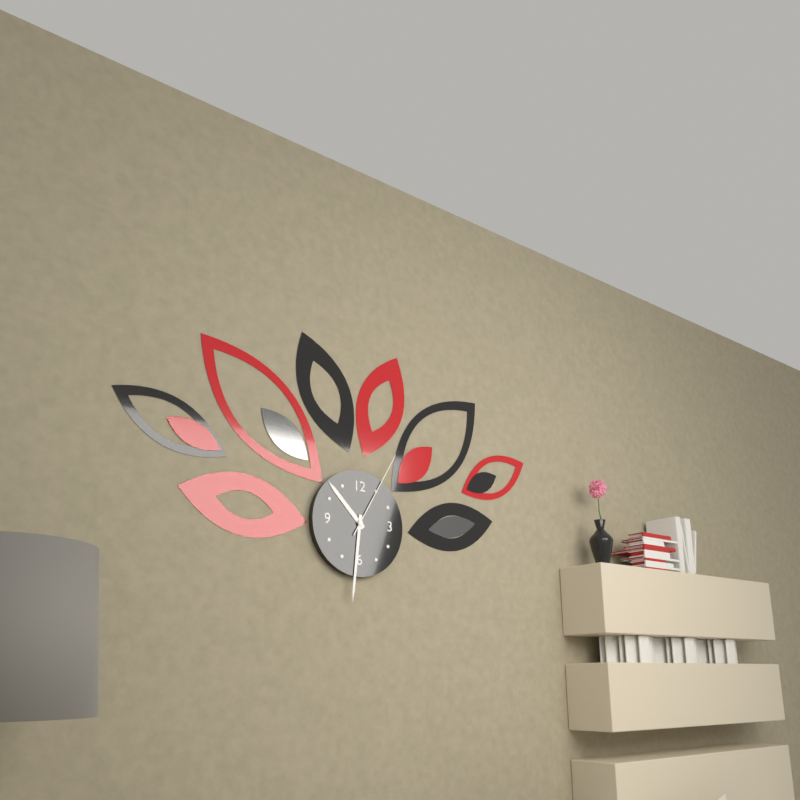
10 h 31 min 05 s
